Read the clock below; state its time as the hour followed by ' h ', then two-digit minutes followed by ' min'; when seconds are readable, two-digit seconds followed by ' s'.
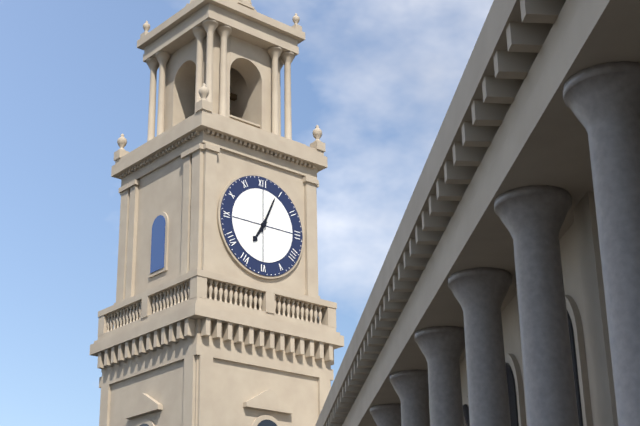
7 h 04 min
